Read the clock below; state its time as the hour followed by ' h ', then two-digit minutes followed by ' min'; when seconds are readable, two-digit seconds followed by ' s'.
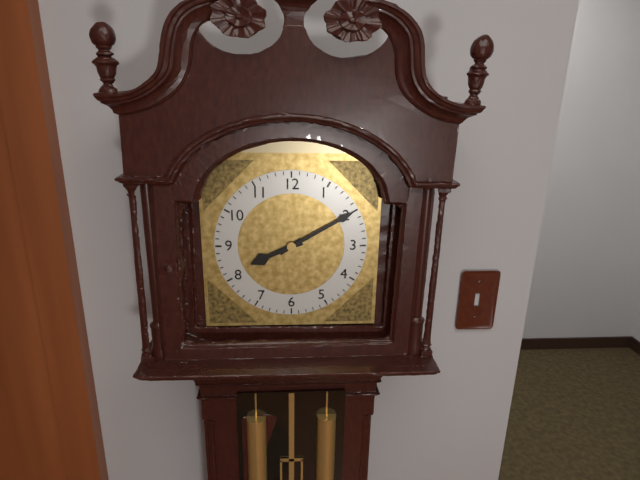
8 h 10 min
